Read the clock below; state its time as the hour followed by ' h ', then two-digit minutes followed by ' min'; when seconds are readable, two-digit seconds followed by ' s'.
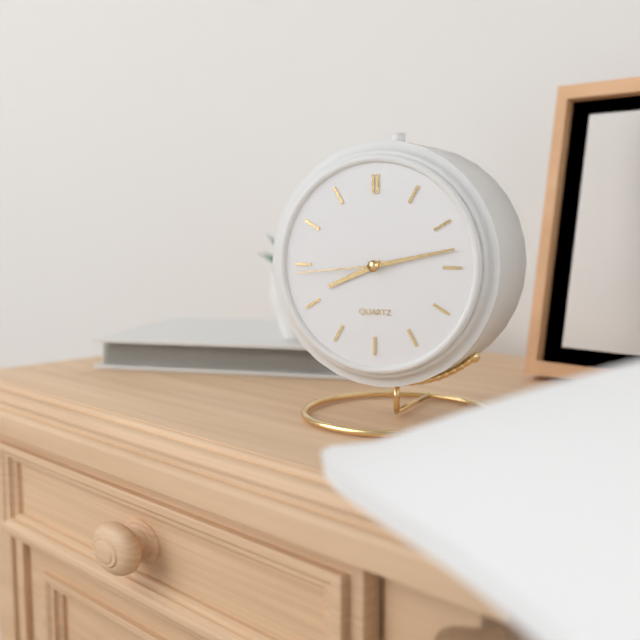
8 h 13 min 44 s
